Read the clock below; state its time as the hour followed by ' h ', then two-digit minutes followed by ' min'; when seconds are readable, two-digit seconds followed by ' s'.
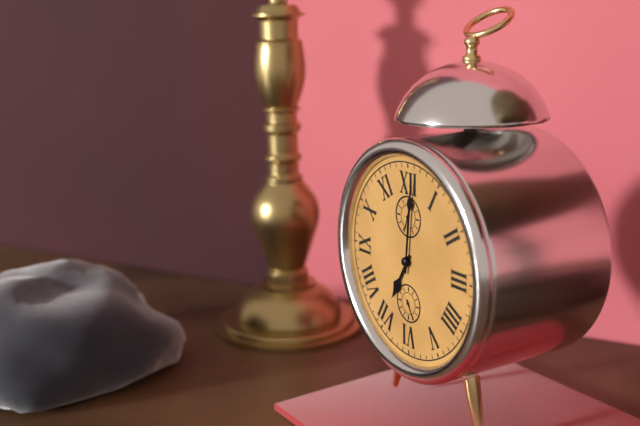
7 h 01 min
